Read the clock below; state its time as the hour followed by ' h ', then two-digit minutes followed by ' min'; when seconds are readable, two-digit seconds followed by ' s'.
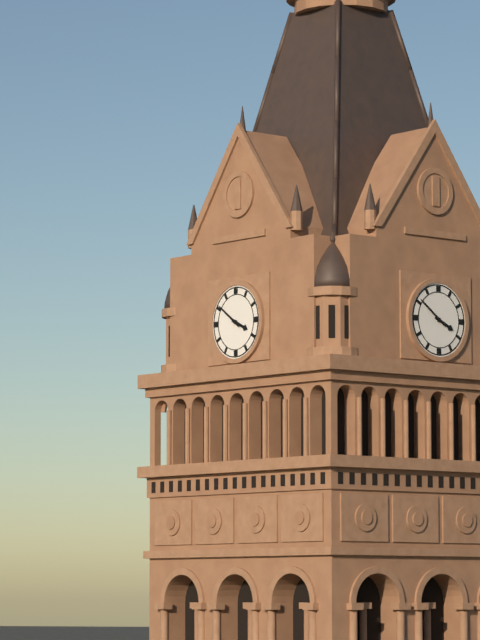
3 h 51 min
